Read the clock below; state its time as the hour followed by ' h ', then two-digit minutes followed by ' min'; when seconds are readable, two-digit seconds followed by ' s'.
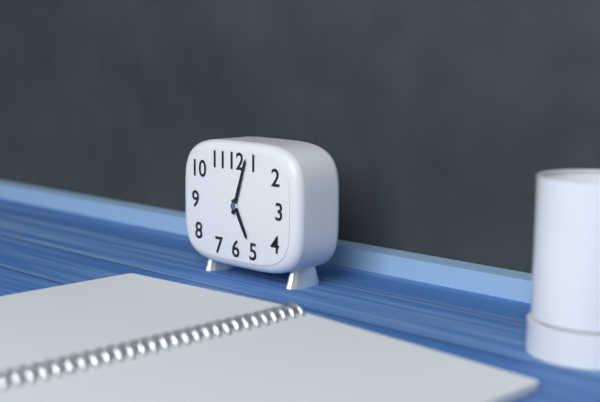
5 h 03 min
